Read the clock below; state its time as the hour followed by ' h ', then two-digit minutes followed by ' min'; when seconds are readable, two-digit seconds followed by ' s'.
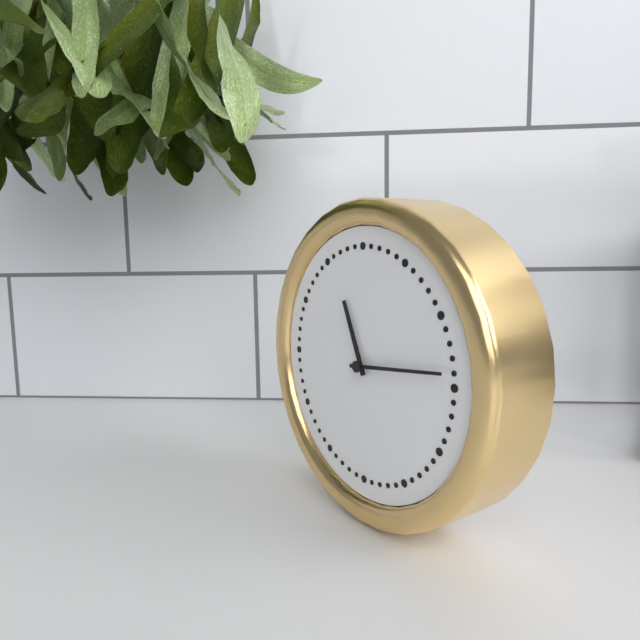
11 h 14 min
